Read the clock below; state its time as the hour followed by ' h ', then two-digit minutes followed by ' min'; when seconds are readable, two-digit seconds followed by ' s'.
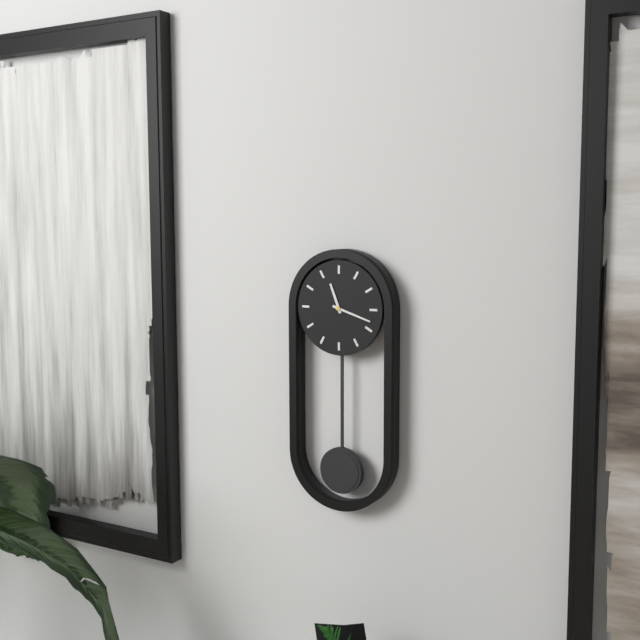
11 h 18 min
